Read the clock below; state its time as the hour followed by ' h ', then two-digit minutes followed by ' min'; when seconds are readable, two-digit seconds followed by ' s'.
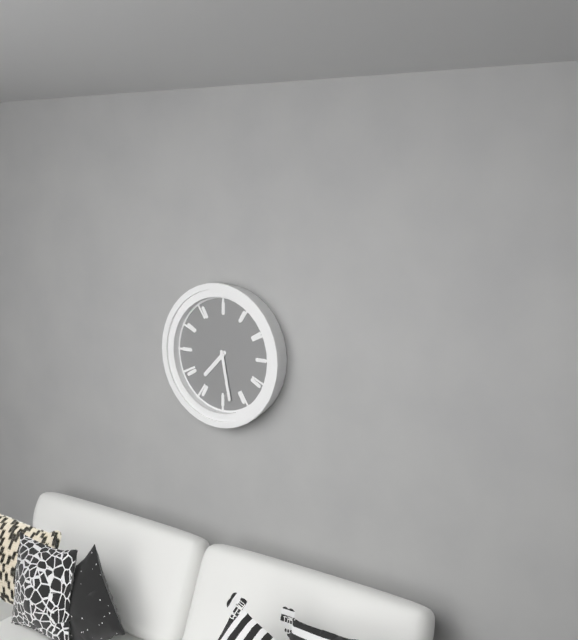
7 h 28 min
